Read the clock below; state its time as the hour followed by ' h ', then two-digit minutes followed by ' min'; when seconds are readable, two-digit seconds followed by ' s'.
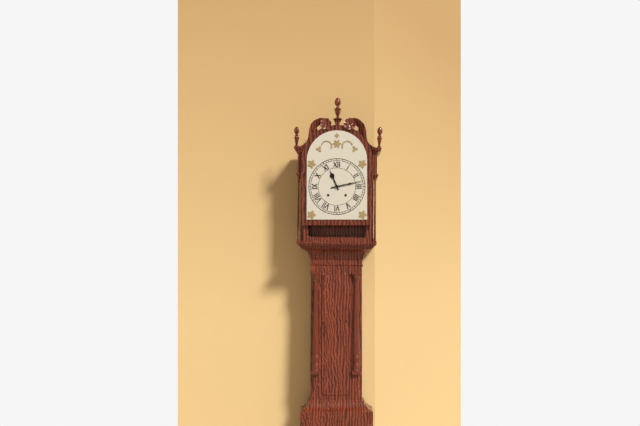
11 h 13 min
